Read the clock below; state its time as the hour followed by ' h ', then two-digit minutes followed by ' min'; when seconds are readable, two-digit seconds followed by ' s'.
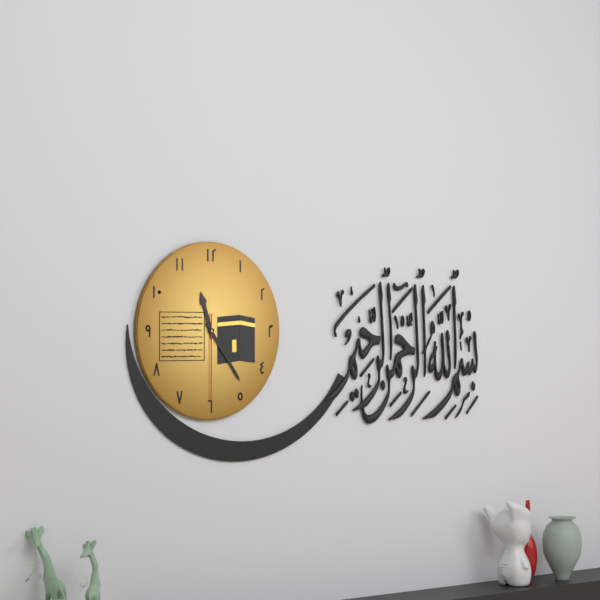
11 h 24 min 30 s
